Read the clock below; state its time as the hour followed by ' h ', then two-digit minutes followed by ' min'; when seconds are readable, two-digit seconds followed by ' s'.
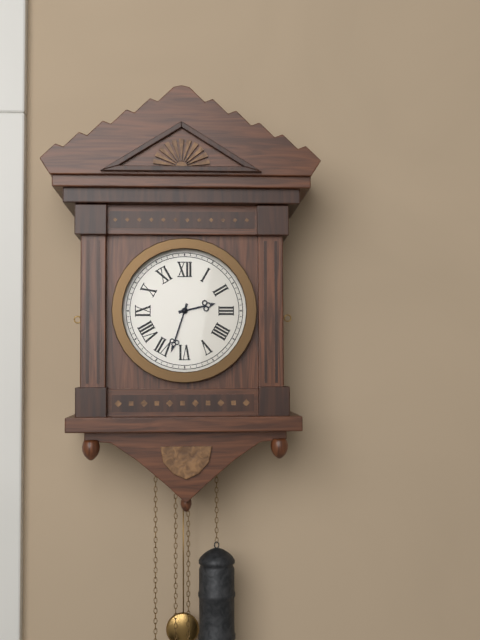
2 h 33 min
